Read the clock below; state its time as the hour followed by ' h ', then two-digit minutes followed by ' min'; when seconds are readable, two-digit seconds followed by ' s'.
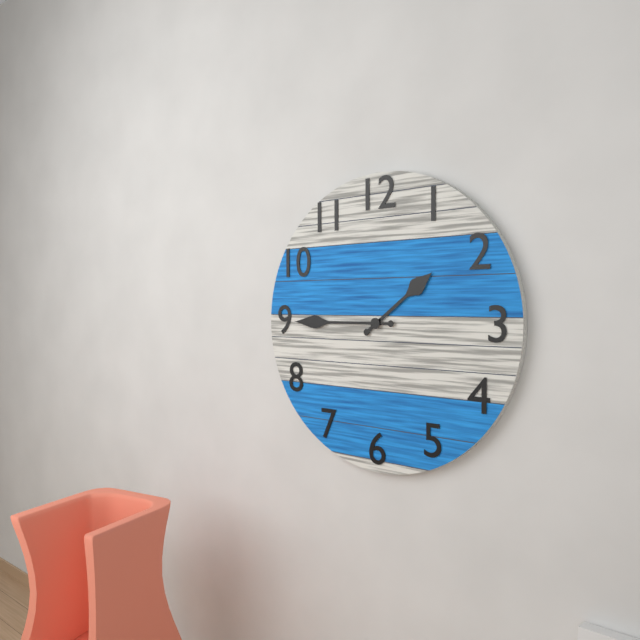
1 h 45 min
